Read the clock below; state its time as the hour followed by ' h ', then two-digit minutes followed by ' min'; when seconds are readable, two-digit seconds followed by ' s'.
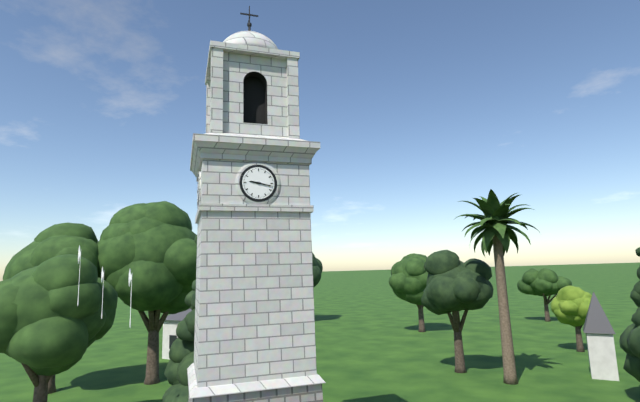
9 h 17 min
